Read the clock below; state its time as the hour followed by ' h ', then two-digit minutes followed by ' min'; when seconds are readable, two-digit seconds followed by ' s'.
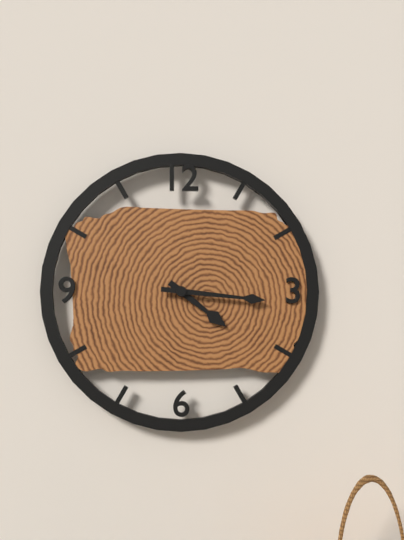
4 h 16 min
